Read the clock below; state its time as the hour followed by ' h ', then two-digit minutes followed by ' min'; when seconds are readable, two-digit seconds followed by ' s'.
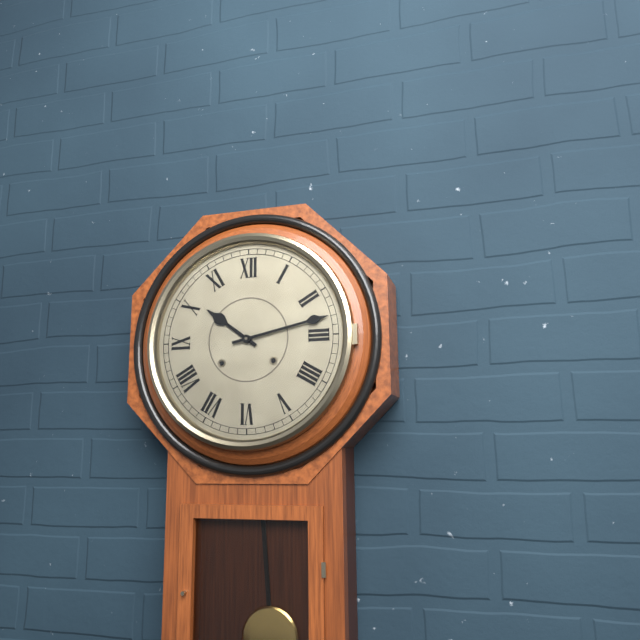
10 h 13 min
